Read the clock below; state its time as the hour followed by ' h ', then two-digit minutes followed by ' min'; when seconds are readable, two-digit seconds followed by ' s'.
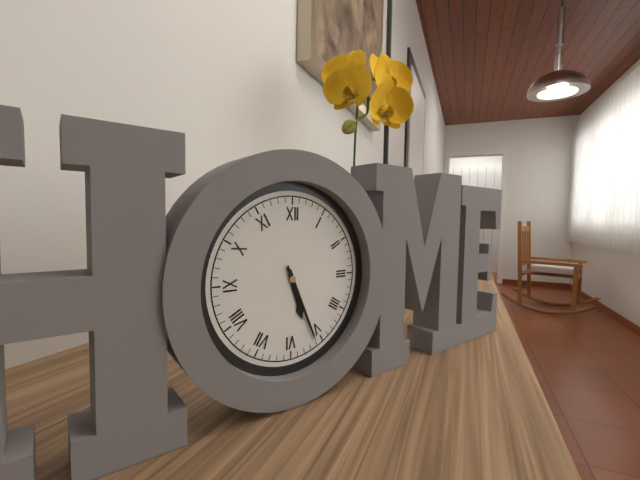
5 h 26 min
